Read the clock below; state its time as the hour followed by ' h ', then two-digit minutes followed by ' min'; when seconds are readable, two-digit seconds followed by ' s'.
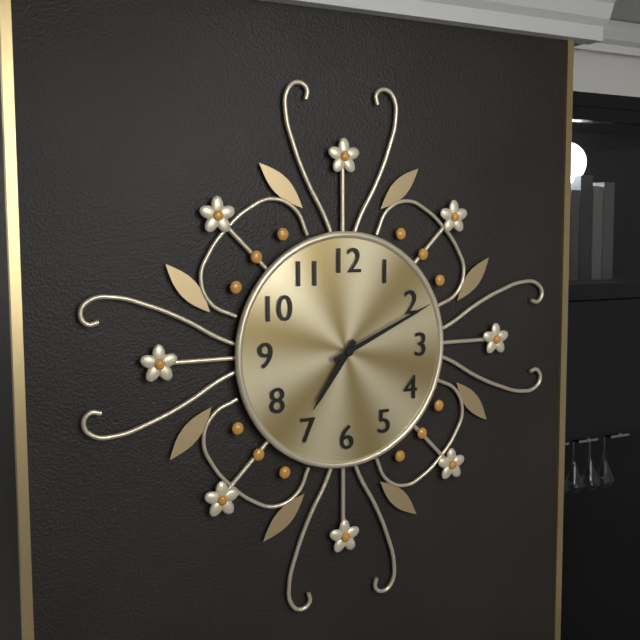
7 h 11 min
